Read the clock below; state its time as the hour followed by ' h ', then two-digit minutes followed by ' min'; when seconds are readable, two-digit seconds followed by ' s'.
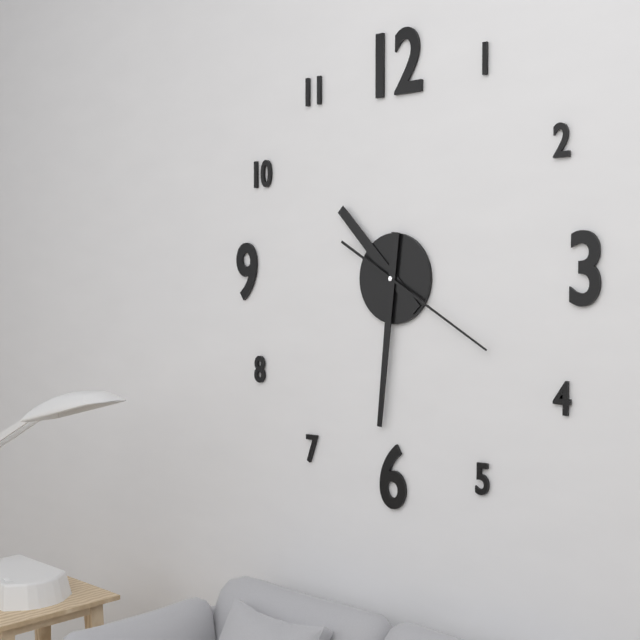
10 h 31 min 20 s
